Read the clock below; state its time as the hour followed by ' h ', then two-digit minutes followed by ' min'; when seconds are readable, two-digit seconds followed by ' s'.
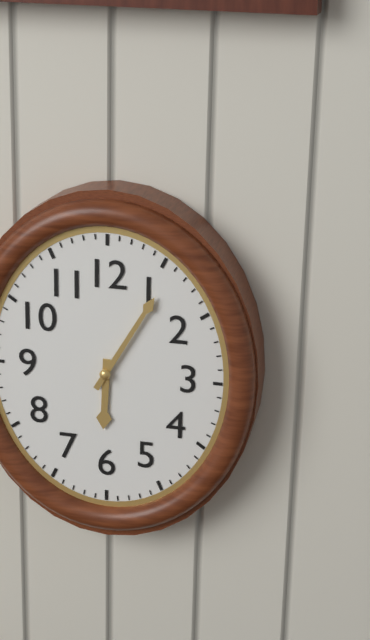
6 h 05 min
